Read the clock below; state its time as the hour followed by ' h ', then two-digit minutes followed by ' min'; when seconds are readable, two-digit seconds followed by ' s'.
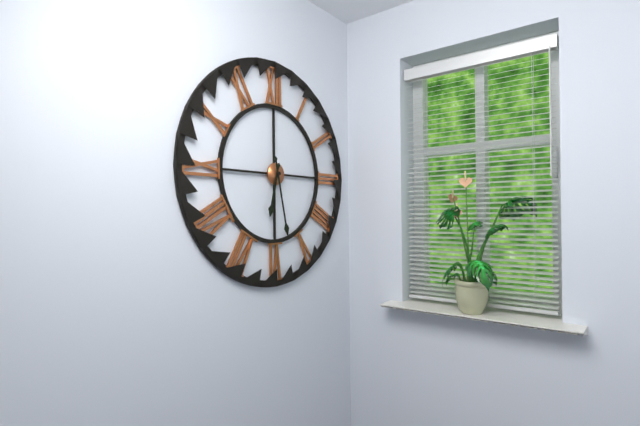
6 h 28 min
